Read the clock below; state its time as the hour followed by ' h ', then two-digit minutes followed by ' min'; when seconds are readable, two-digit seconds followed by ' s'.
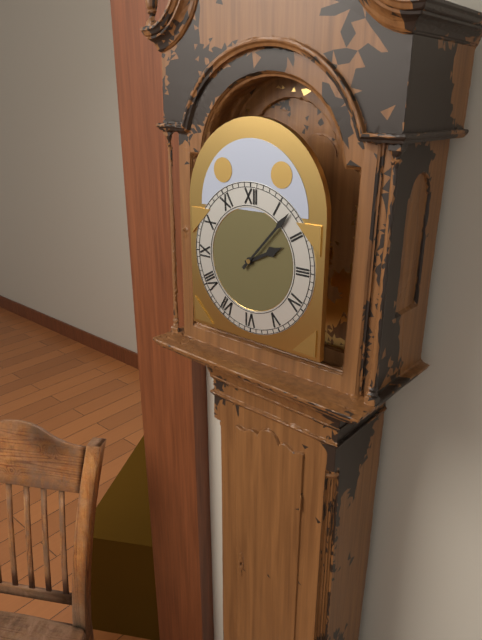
2 h 07 min
